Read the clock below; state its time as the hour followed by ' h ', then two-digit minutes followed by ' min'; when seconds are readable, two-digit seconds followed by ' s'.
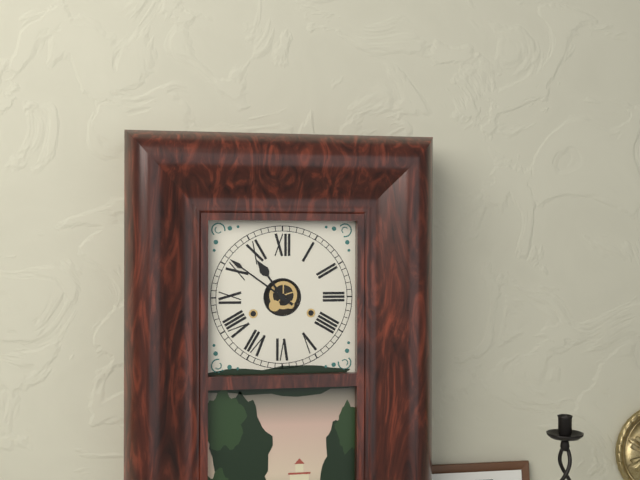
10 h 51 min
